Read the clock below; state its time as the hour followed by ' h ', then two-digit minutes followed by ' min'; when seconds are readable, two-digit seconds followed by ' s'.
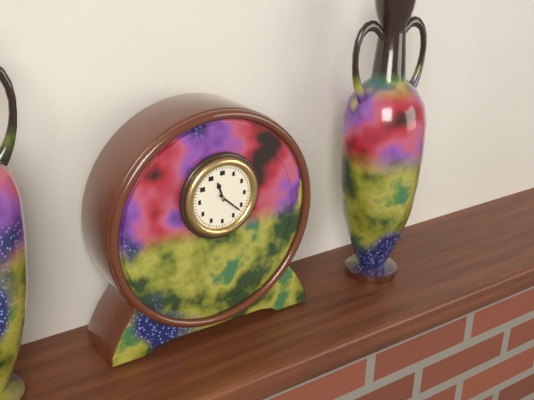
11 h 22 min
